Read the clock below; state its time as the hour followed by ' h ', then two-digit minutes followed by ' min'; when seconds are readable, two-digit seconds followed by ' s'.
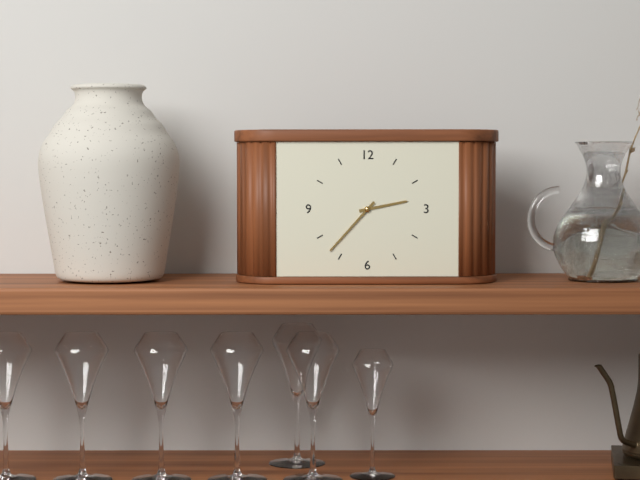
2 h 37 min
